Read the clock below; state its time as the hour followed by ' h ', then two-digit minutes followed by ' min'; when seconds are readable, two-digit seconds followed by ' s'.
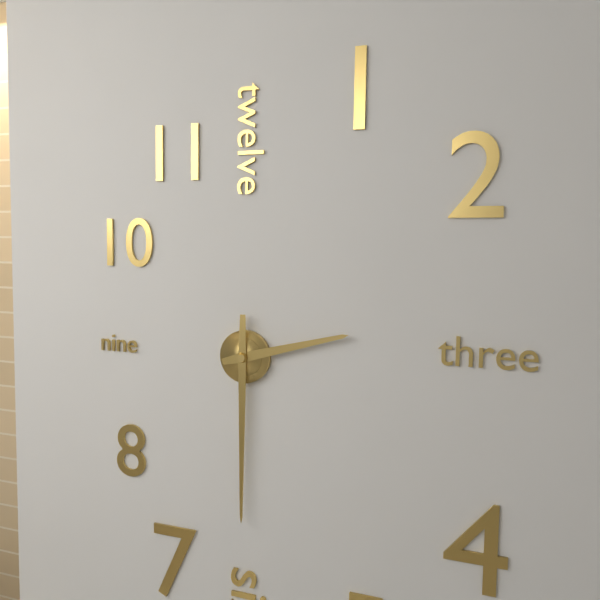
2 h 30 min
